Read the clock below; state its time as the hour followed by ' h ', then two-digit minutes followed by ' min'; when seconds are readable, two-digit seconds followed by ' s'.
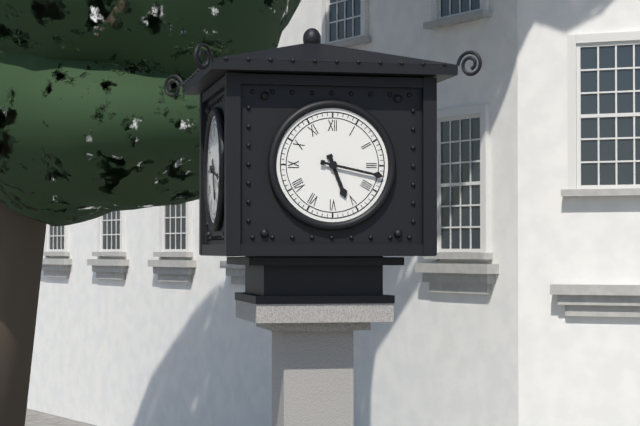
5 h 17 min
